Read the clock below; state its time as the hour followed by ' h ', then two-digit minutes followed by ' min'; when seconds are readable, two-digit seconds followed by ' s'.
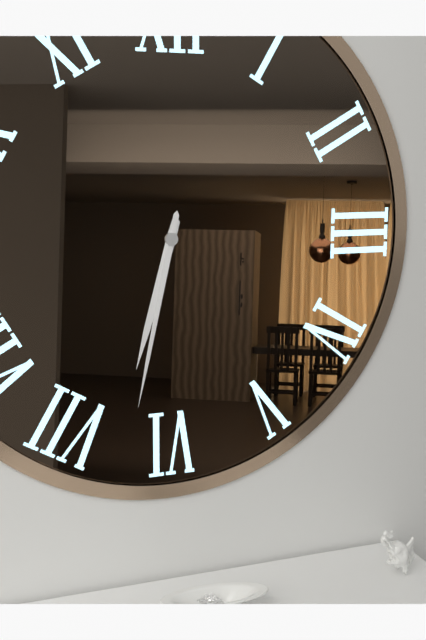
6 h 32 min
